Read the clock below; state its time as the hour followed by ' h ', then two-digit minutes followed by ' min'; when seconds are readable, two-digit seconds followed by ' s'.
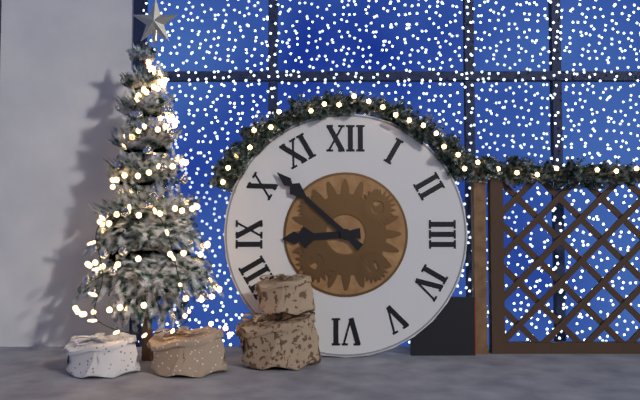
8 h 52 min
